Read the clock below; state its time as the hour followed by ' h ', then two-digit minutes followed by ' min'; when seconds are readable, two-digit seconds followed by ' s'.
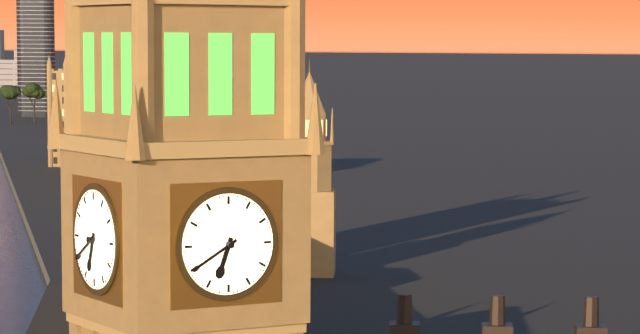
6 h 40 min
